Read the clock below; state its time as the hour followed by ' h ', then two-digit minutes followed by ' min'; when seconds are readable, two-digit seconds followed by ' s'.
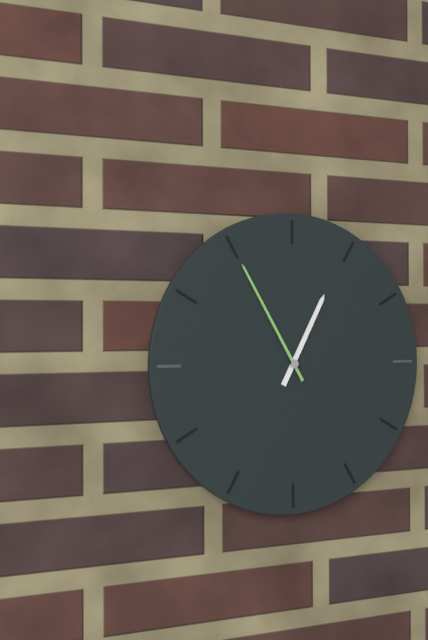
12 h 55 min
